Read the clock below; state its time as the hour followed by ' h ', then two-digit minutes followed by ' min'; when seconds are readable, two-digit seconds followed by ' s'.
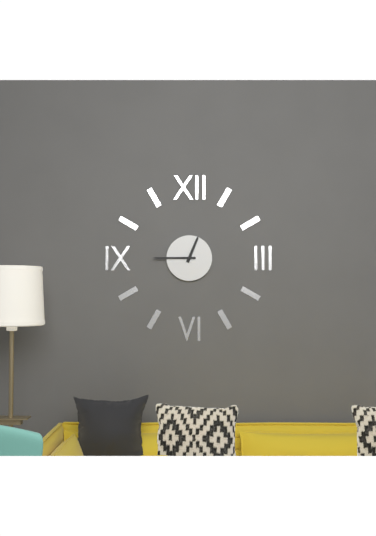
12 h 45 min
